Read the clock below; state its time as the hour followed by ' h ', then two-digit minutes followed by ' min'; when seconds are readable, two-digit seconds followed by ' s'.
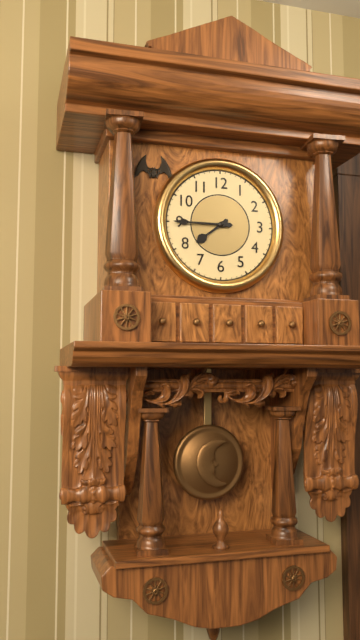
7 h 45 min
